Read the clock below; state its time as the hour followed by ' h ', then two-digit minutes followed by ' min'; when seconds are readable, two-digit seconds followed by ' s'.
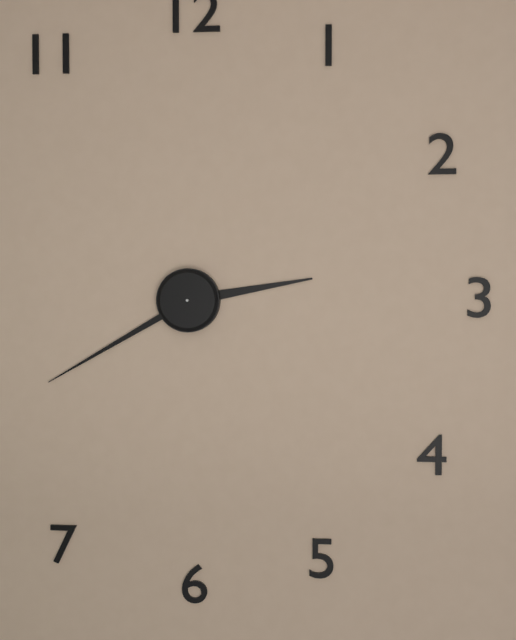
2 h 40 min
